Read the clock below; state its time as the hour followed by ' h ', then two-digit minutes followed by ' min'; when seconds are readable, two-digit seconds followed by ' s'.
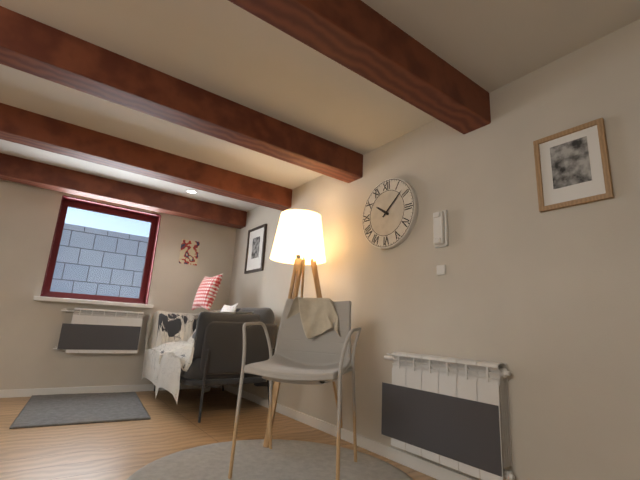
10 h 08 min
